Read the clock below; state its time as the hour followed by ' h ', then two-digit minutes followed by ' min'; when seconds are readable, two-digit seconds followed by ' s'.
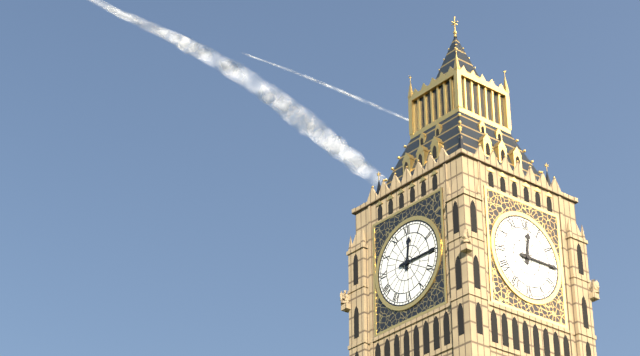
12 h 15 min
